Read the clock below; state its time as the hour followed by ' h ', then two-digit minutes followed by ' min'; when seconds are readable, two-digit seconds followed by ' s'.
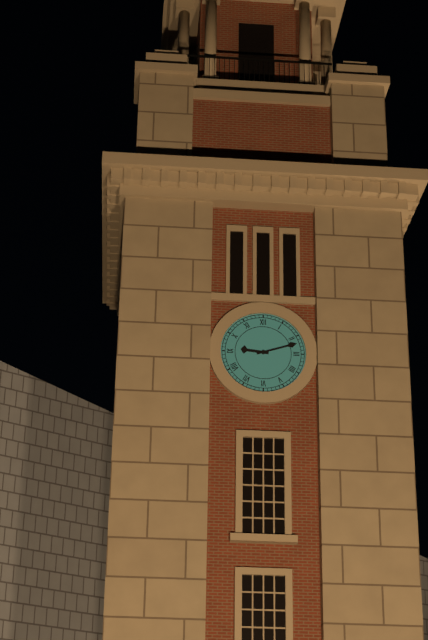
9 h 12 min
